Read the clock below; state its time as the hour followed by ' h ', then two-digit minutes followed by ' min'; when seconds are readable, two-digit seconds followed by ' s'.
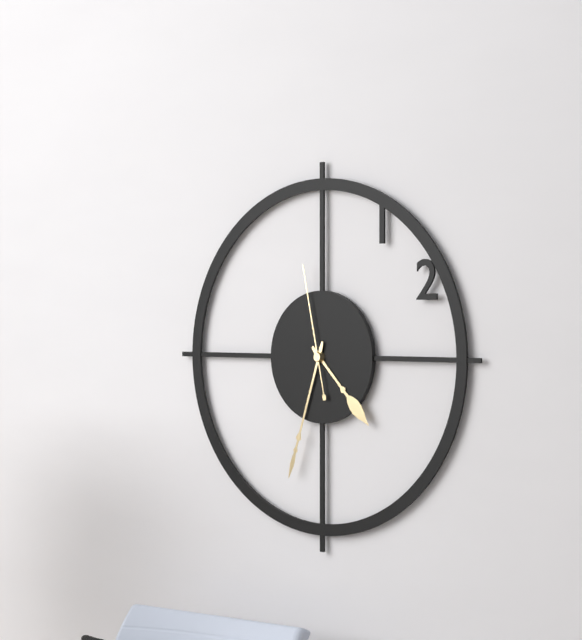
4 h 33 min 58 s
